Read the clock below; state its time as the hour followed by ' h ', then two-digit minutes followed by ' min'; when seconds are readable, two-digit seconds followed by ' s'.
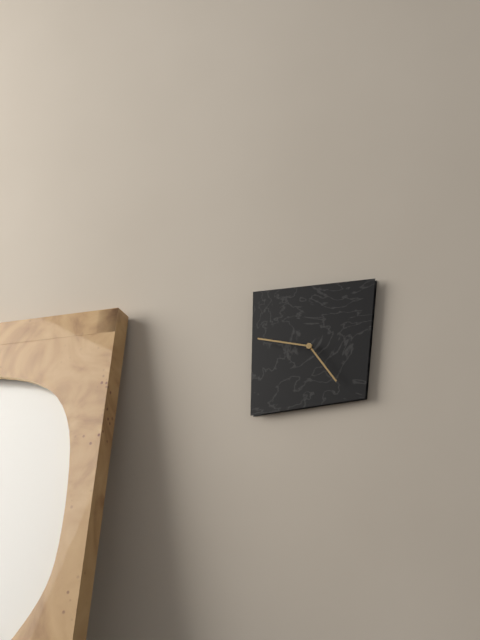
4 h 47 min
